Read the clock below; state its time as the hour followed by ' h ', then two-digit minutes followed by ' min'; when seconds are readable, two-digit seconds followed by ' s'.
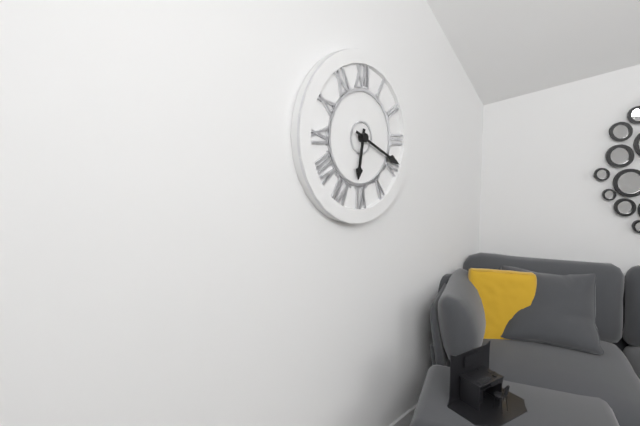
6 h 19 min
